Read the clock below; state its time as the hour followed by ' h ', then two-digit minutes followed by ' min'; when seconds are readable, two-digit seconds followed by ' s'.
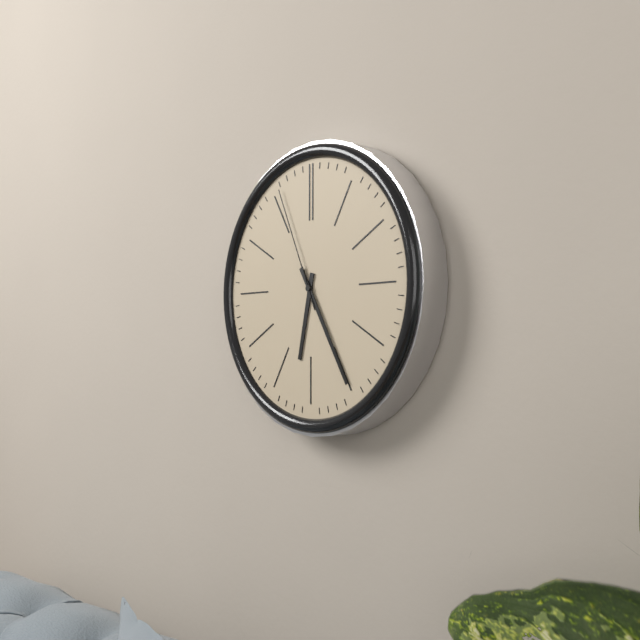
6 h 25 min 56 s
